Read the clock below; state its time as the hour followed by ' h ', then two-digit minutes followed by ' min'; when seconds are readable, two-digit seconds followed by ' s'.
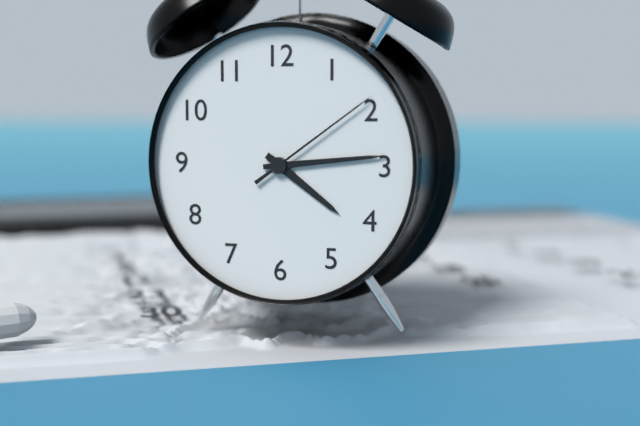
4 h 14 min 09 s
